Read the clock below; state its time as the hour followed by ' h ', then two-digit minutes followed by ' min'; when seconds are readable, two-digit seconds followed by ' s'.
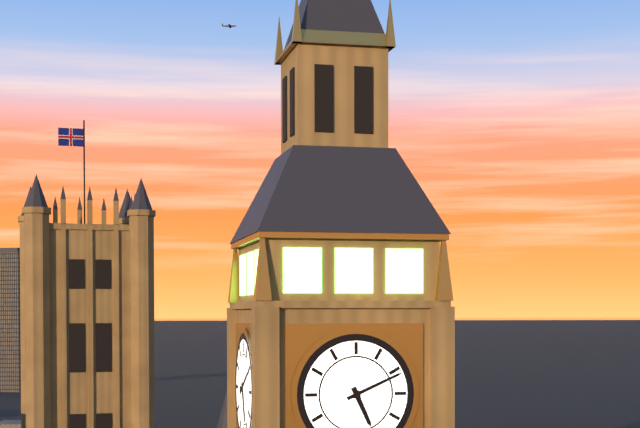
5 h 11 min
